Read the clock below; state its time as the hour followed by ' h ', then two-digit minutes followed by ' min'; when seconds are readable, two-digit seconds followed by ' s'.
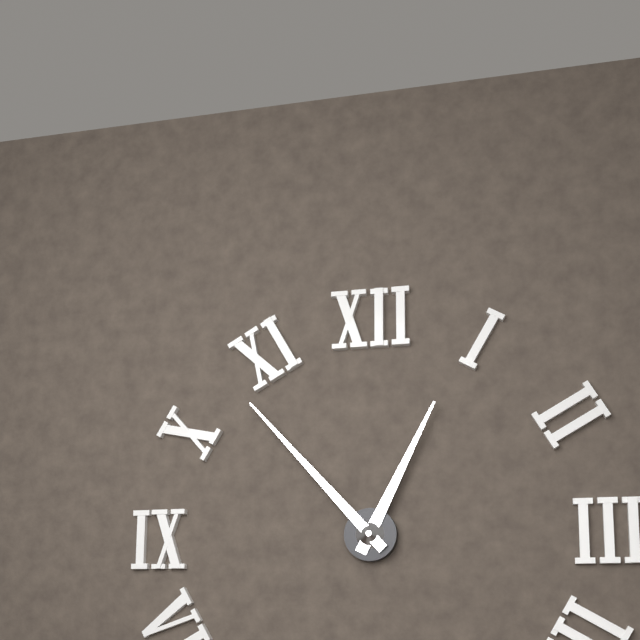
12 h 53 min
